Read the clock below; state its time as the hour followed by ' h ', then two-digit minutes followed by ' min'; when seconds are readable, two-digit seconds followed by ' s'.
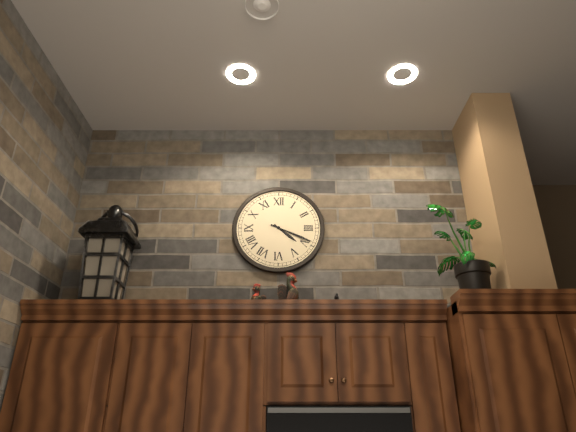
4 h 19 min
